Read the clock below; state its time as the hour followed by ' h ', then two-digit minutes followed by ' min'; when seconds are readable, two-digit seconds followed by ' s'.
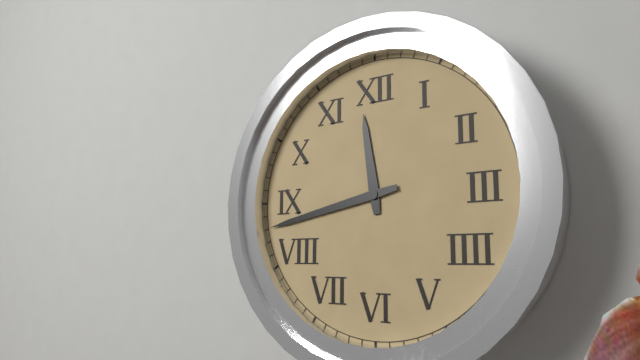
11 h 43 min
